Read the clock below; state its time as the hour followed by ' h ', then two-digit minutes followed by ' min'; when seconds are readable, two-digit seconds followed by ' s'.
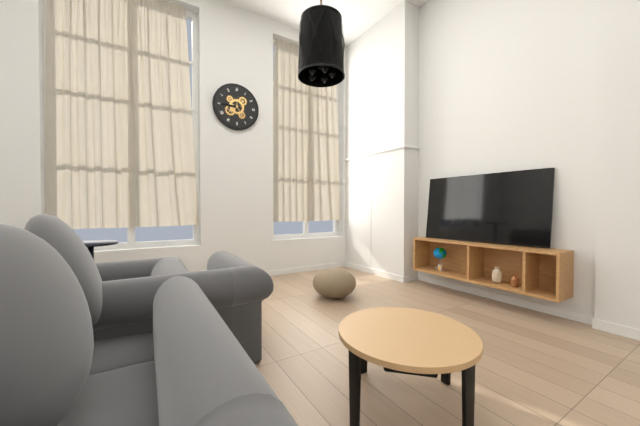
8 h 45 min
